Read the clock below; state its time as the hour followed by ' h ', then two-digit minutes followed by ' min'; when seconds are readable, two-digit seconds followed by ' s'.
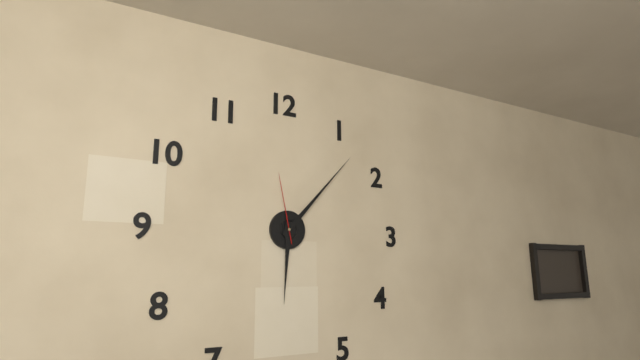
6 h 07 min 58 s
